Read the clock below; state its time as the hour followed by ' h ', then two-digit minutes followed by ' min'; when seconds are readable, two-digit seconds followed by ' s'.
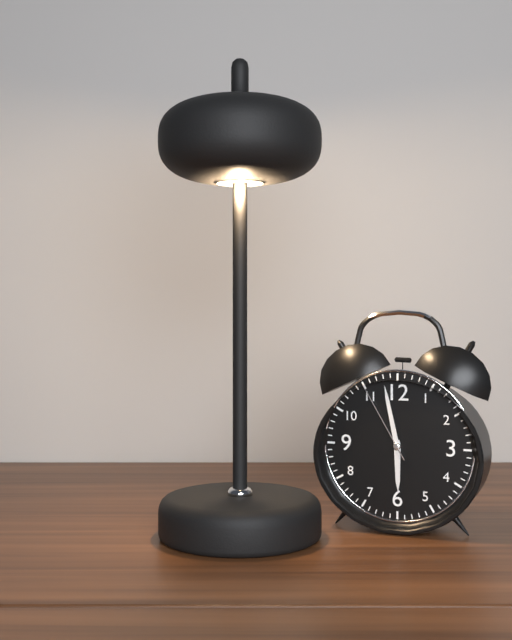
5 h 58 min 55 s
